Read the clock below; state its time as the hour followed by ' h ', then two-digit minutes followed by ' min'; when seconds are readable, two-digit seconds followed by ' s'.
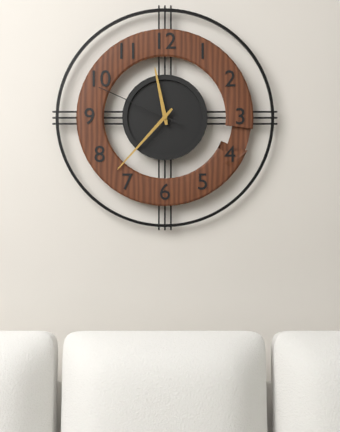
11 h 37 min 49 s
